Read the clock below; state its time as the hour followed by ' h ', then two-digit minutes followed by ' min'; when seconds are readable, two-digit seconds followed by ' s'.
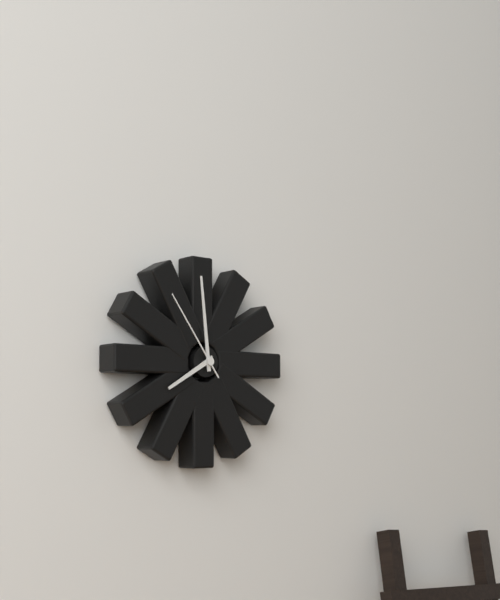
7 h 59 min 54 s
